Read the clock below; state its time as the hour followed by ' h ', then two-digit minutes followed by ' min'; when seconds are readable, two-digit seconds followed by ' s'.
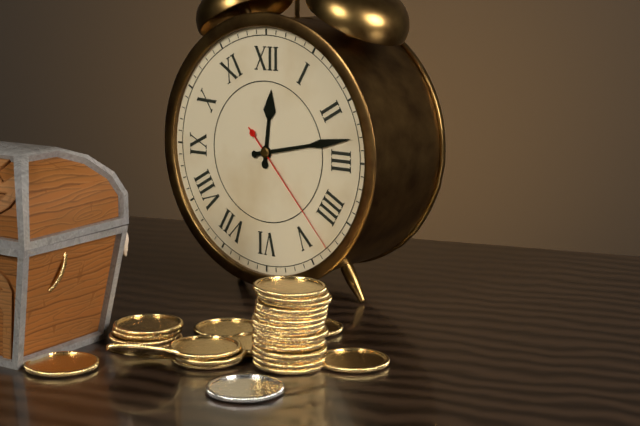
12 h 13 min 23 s
